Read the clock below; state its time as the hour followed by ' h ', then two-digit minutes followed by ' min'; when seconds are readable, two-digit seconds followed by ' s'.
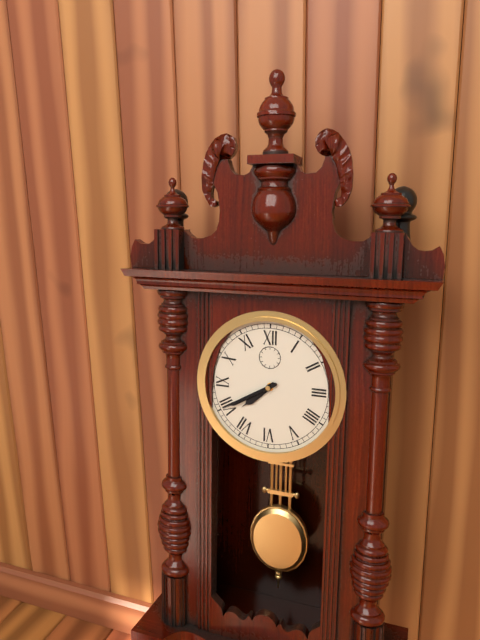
7 h 40 min
